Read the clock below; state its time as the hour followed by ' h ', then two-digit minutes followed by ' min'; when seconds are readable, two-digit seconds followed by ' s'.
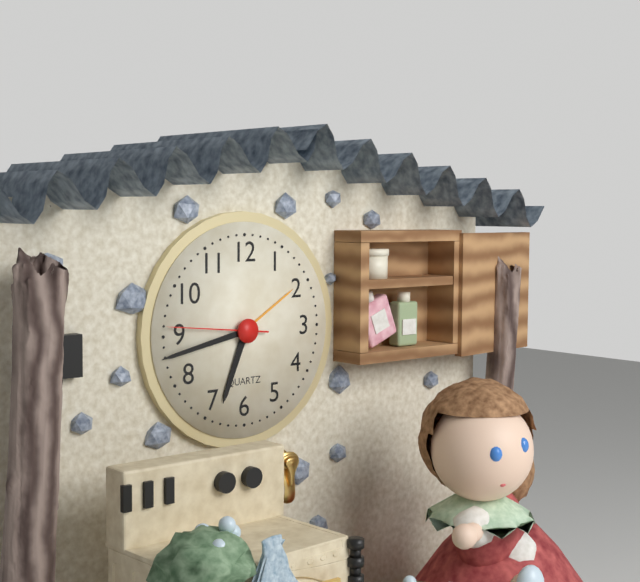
6 h 43 min 46 s
